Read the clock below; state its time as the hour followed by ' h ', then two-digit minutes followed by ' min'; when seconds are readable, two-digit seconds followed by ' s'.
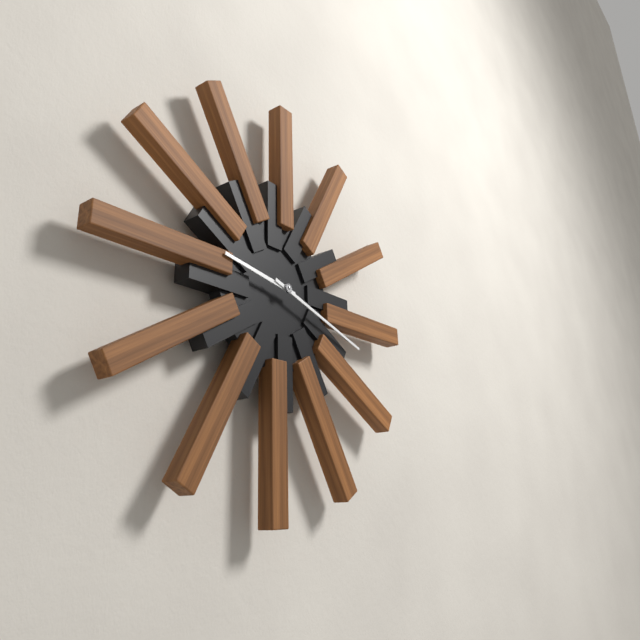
9 h 18 min
